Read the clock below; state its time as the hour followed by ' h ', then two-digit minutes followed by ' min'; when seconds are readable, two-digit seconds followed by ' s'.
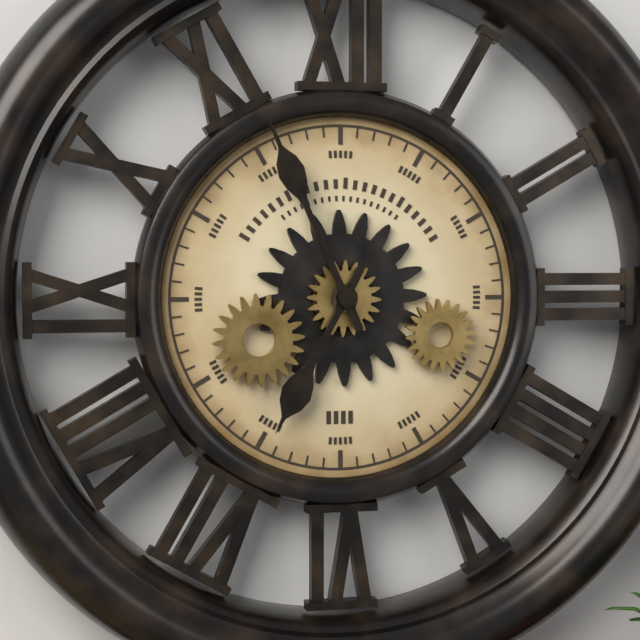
6 h 56 min
